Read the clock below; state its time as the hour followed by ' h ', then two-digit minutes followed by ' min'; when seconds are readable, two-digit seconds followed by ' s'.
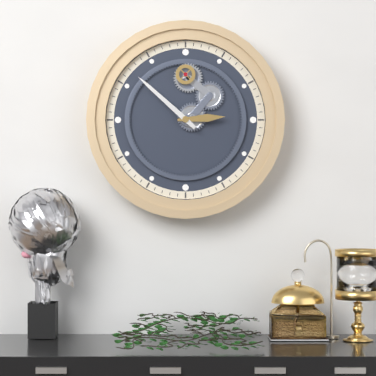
2 h 52 min
